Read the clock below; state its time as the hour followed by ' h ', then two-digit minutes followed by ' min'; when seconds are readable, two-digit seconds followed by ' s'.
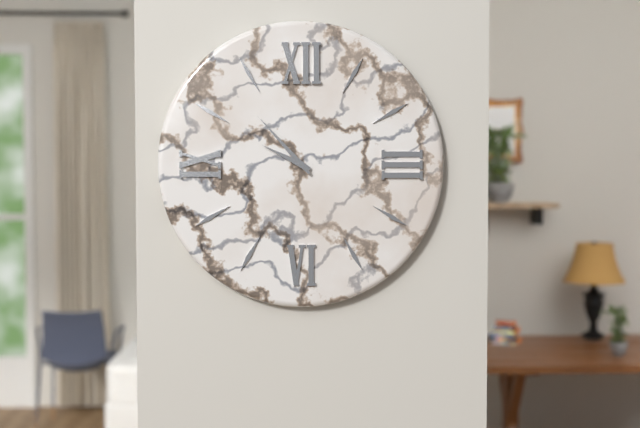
9 h 53 min
